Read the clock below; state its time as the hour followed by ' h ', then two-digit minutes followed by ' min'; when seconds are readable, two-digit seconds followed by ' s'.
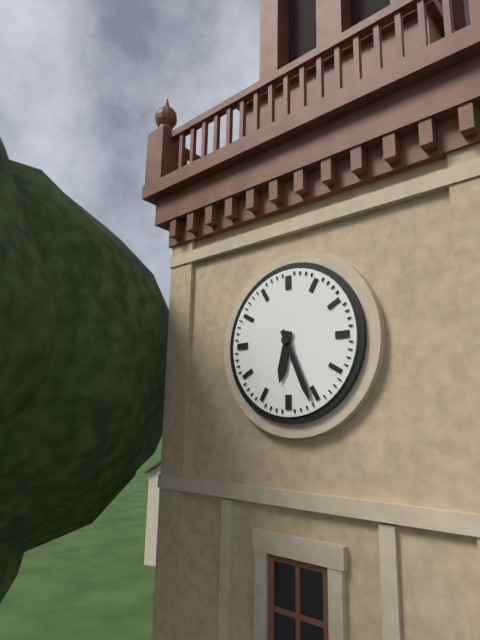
6 h 26 min
